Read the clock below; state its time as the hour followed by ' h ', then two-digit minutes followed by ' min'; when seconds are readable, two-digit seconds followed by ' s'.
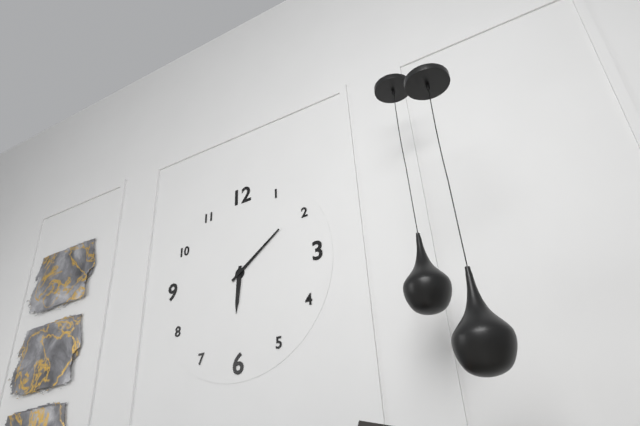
6 h 09 min
